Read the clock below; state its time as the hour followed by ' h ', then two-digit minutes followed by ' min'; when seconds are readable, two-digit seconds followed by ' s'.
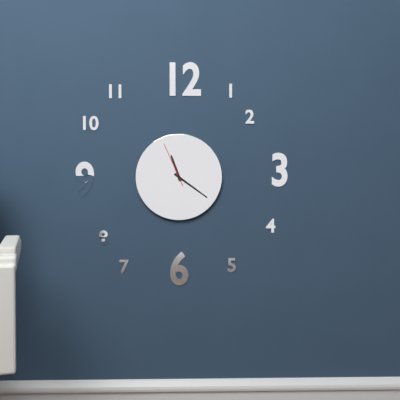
11 h 21 min
